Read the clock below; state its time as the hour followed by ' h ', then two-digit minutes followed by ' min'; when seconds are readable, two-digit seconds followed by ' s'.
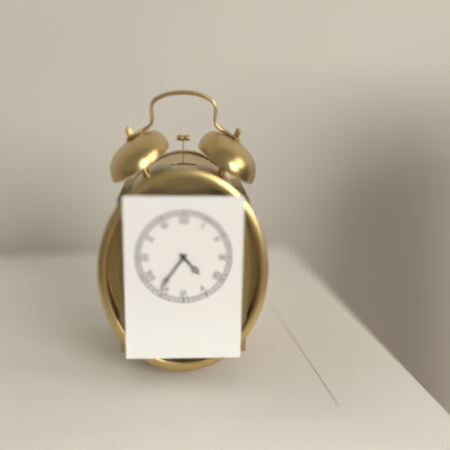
4 h 36 min
